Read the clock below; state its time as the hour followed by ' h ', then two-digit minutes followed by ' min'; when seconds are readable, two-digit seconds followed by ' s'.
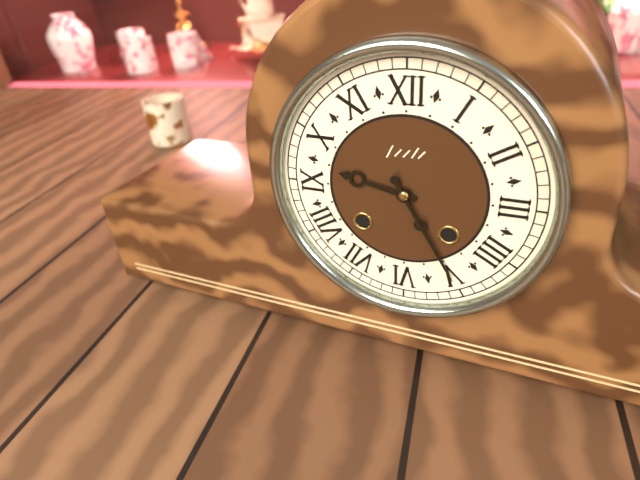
9 h 25 min
